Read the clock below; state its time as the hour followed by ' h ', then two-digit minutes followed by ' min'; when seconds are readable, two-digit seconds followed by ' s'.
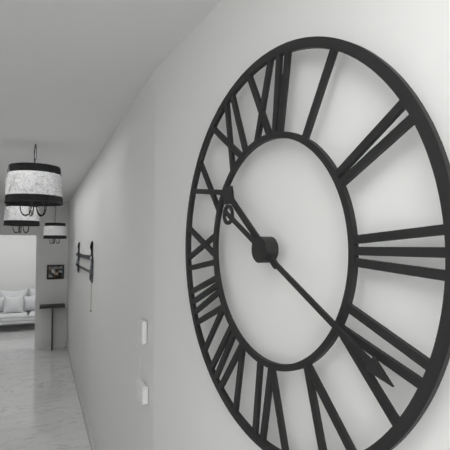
10 h 20 min
